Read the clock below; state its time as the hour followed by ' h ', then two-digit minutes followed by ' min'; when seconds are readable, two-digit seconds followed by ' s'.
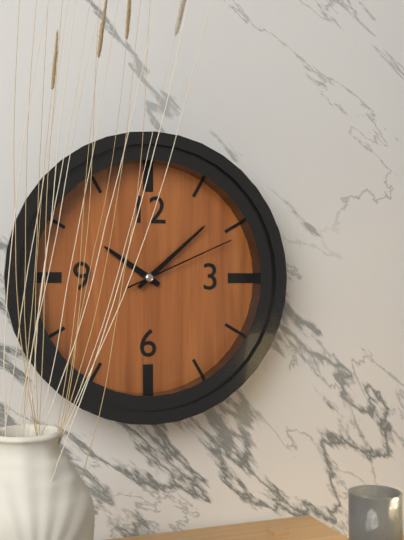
10 h 08 min 11 s
